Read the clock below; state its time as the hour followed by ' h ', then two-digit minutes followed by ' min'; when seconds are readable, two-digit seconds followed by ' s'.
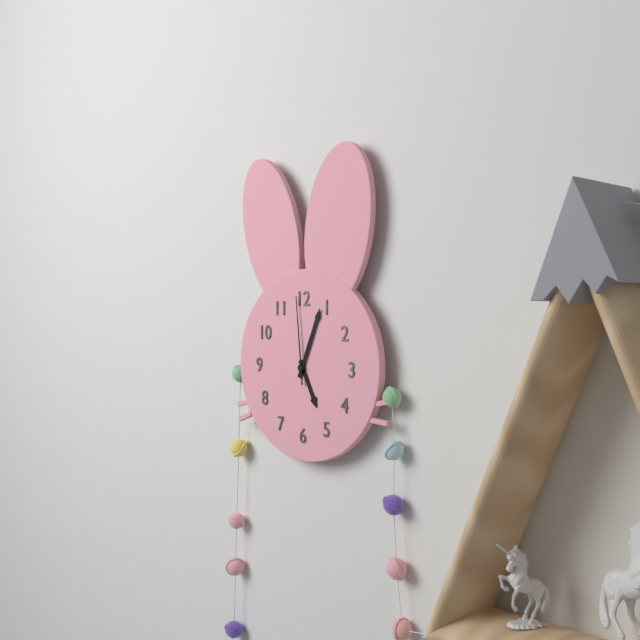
5 h 04 min 59 s
